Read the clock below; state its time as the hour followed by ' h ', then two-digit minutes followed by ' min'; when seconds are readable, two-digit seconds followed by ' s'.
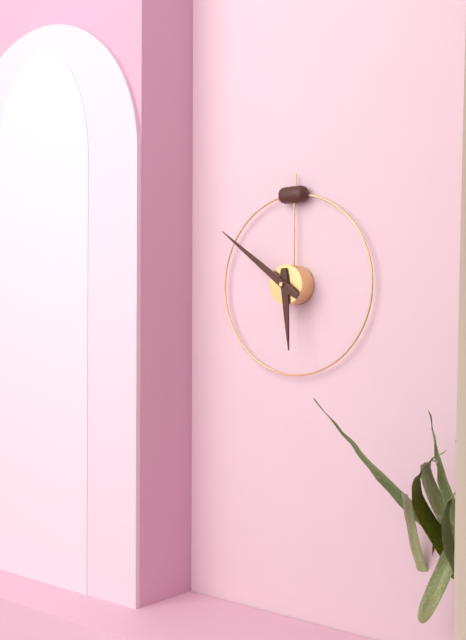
5 h 51 min
